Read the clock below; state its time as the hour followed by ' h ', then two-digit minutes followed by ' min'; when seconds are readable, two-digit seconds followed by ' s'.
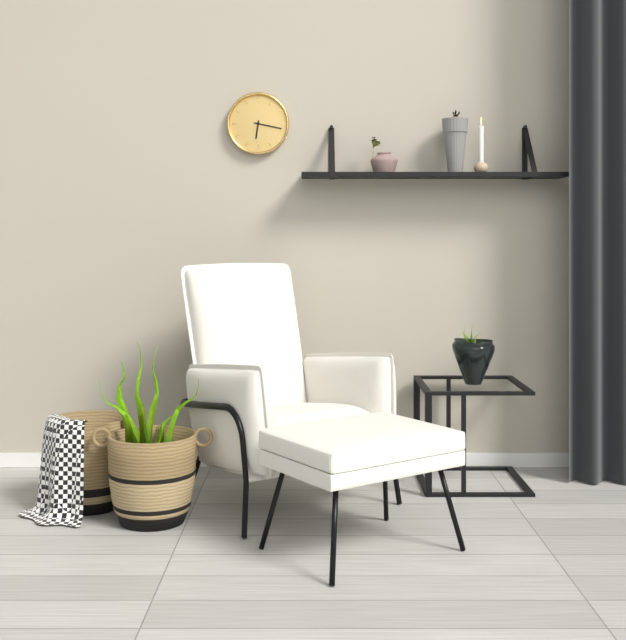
6 h 17 min
